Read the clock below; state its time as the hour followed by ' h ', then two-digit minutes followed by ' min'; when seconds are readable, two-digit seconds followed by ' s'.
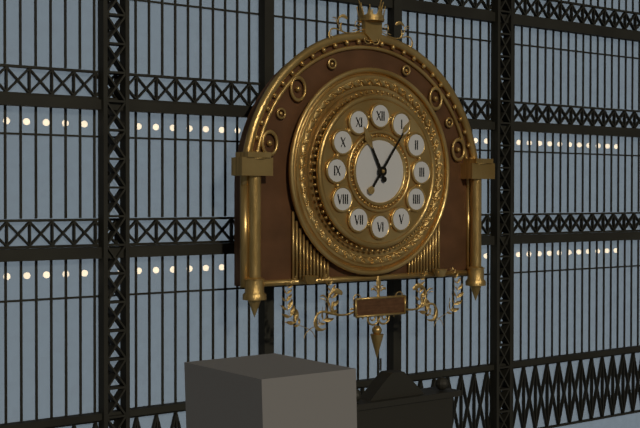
11 h 06 min
